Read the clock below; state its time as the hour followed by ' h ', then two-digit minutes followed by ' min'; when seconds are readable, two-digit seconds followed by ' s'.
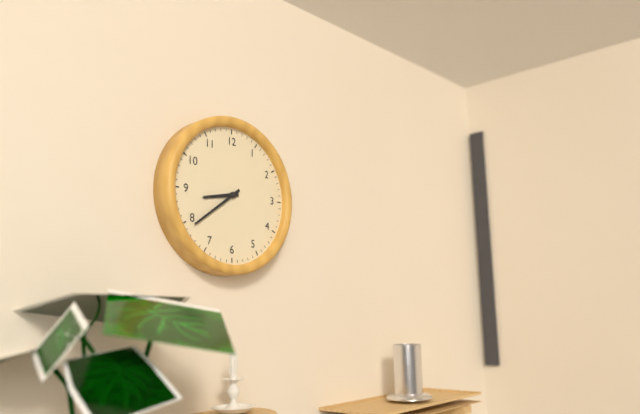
8 h 39 min
